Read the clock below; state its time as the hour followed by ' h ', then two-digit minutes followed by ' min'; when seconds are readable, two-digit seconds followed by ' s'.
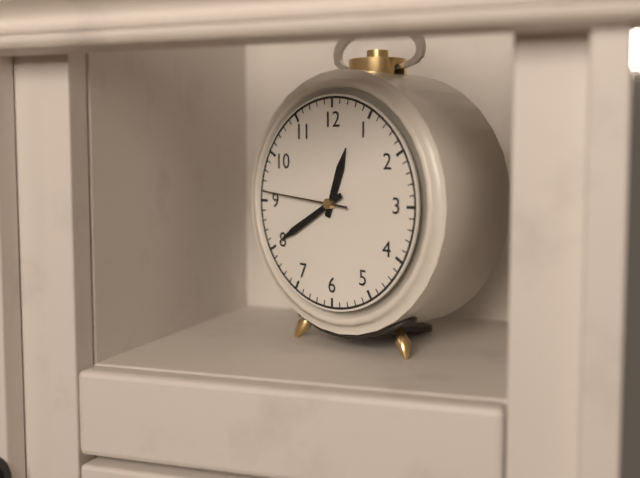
12 h 40 min 46 s
